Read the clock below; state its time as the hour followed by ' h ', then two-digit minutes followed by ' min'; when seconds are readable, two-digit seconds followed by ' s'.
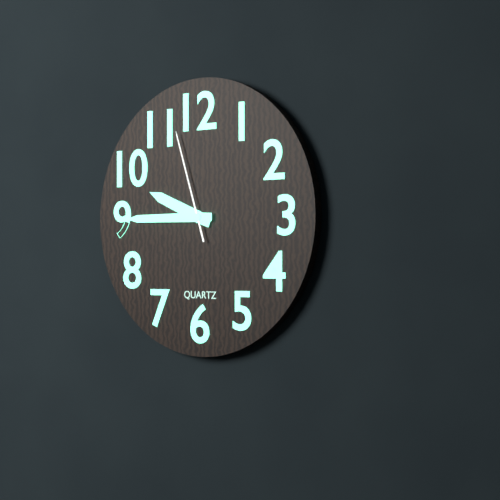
9 h 45 min 57 s
